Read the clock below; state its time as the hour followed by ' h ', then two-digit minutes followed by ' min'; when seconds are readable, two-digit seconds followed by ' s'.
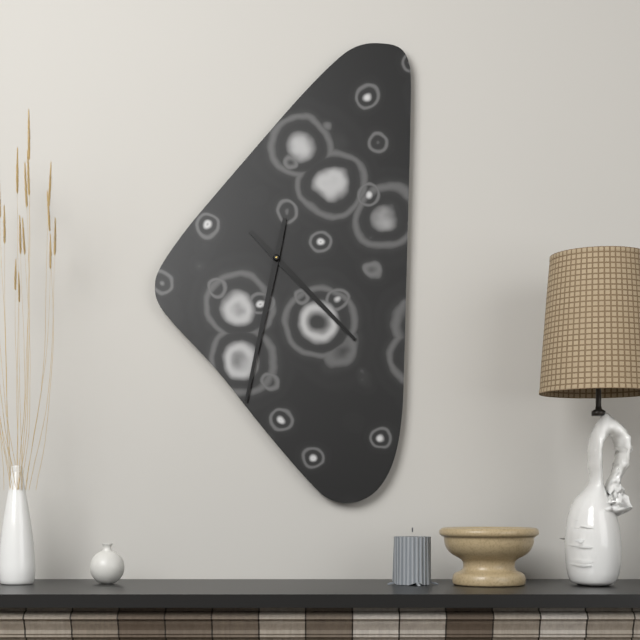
4 h 32 min
